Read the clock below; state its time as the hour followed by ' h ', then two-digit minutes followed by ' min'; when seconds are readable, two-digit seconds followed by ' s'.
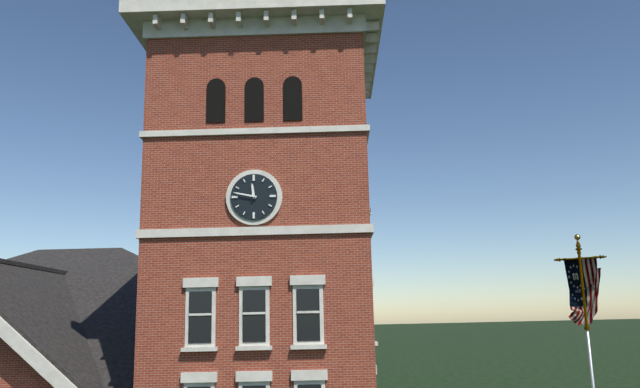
11 h 47 min
